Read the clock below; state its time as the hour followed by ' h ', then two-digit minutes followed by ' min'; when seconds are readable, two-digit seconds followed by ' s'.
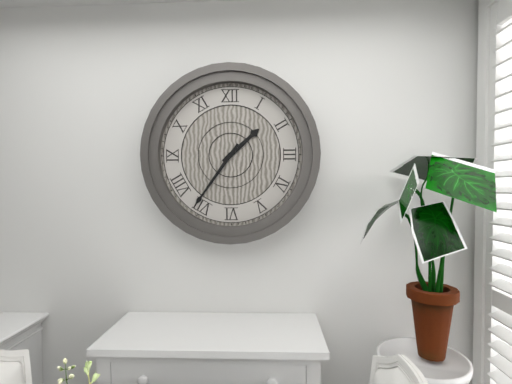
1 h 36 min
